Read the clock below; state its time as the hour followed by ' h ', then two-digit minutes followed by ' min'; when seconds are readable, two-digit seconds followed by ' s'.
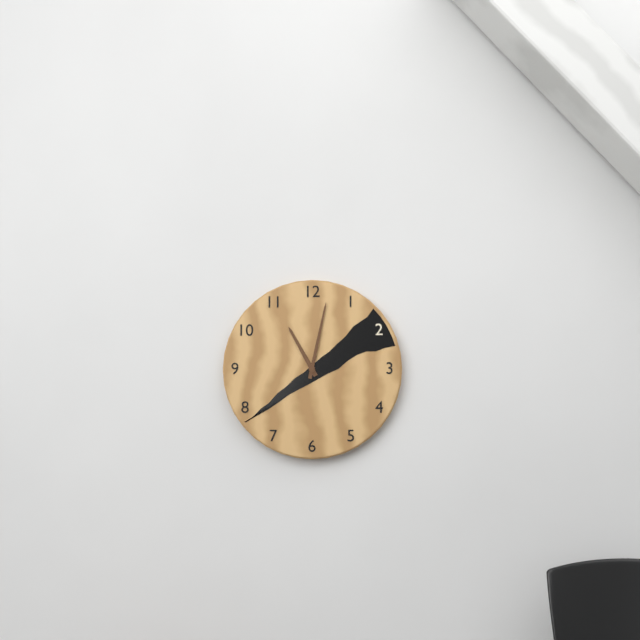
11 h 02 min
